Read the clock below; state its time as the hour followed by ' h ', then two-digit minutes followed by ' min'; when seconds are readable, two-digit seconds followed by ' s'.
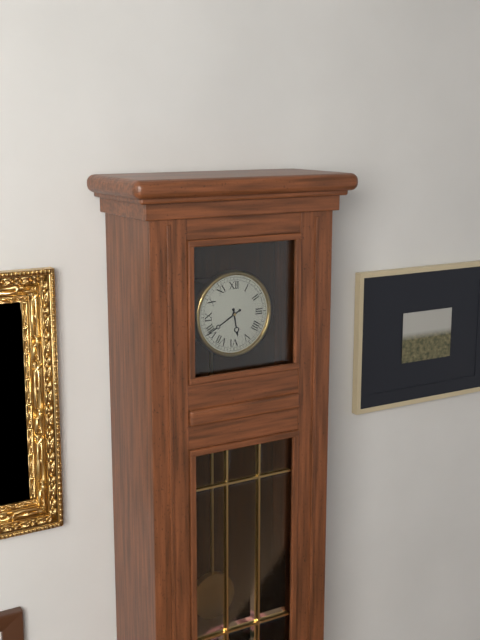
5 h 40 min
